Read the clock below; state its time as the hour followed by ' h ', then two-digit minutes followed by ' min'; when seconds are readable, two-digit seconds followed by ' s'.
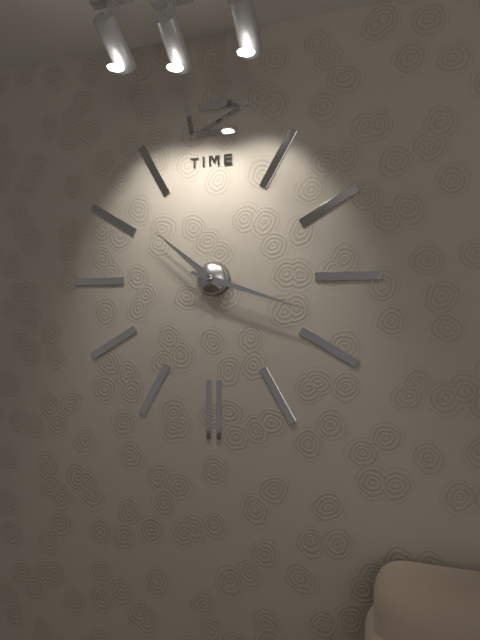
10 h 18 min
